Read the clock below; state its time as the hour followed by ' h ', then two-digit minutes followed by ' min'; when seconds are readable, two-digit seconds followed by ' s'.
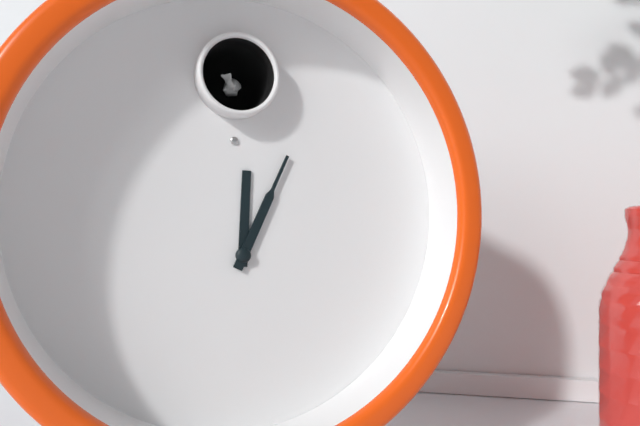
12 h 04 min
